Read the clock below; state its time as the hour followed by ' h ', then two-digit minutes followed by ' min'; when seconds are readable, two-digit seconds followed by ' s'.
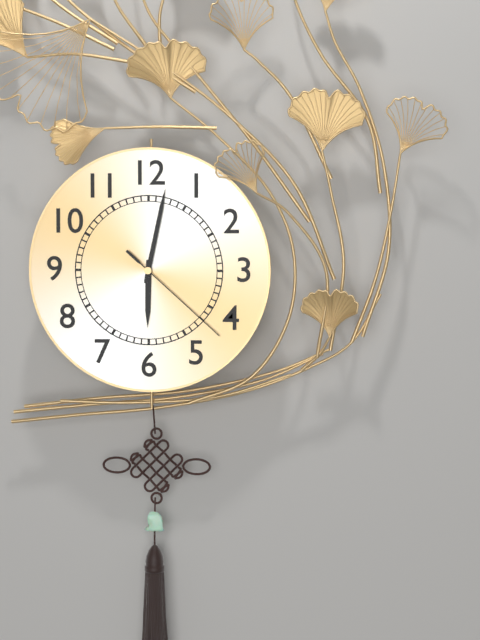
6 h 02 min 22 s
